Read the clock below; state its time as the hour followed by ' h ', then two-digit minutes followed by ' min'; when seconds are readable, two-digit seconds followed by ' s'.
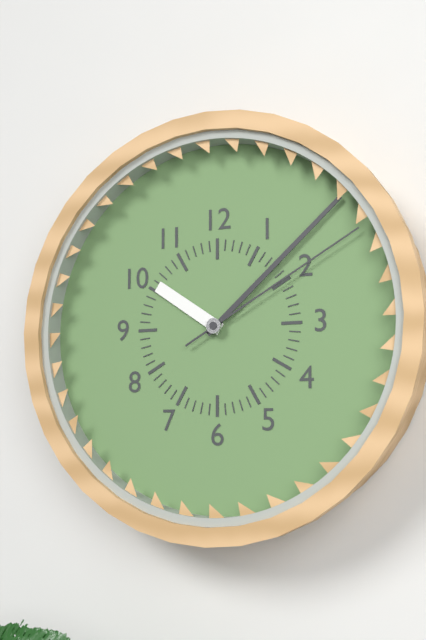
10 h 08 min 10 s
